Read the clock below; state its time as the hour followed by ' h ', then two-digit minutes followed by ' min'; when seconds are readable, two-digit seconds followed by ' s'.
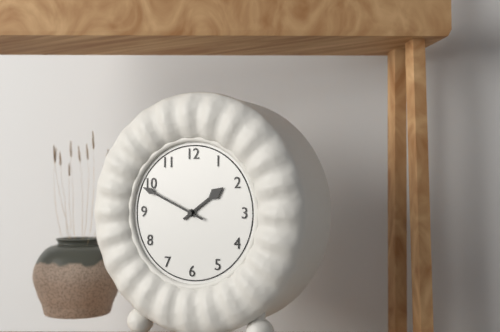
1 h 49 min
